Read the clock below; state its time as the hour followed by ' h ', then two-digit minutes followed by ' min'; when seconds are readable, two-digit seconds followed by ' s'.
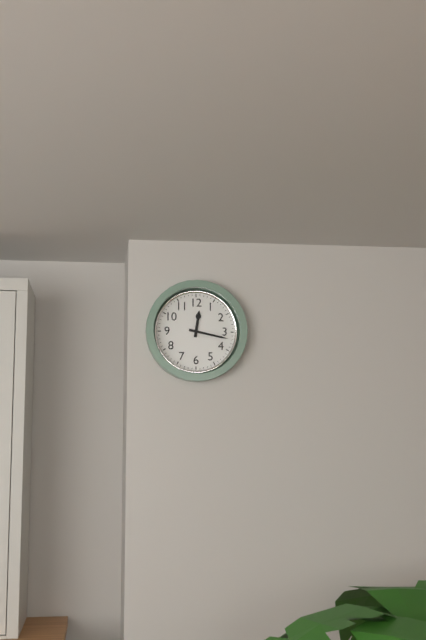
12 h 17 min
